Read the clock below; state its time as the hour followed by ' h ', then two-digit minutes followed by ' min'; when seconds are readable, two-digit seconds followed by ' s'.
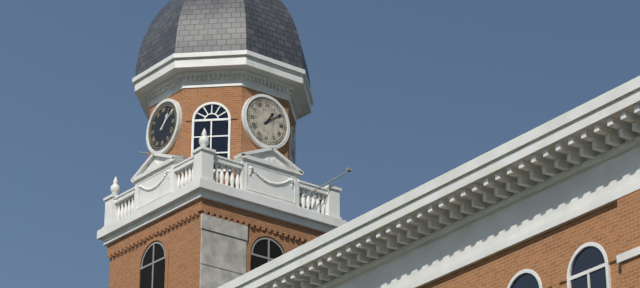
1 h 09 min
